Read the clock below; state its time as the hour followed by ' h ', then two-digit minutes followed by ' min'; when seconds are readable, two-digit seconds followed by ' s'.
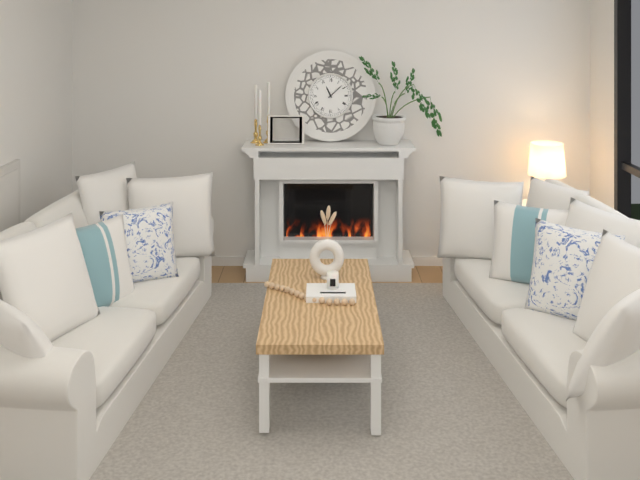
11 h 08 min
